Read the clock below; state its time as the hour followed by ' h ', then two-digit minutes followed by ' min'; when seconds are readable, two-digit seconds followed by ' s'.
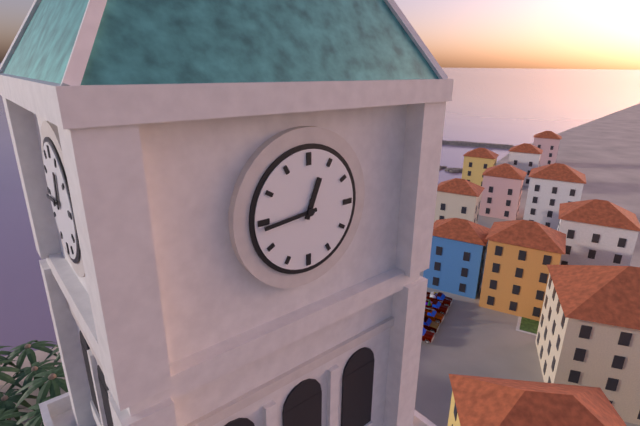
12 h 44 min
